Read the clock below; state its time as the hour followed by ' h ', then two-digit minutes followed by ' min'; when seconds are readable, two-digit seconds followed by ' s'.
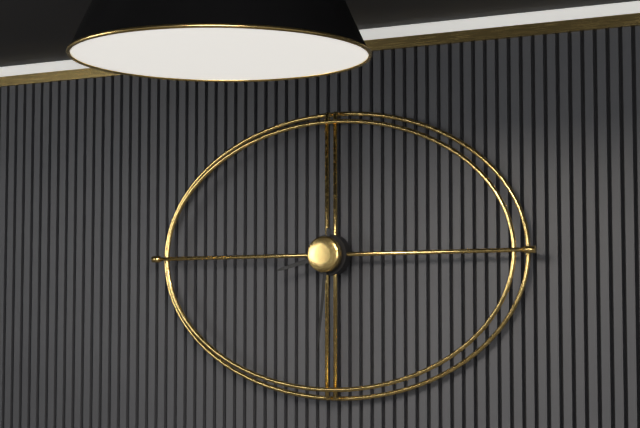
8 h 31 min
